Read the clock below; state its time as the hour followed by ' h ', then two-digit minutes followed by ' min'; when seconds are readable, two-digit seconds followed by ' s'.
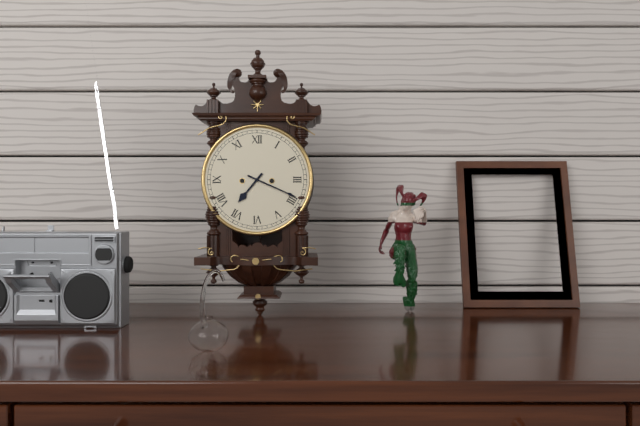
7 h 19 min
